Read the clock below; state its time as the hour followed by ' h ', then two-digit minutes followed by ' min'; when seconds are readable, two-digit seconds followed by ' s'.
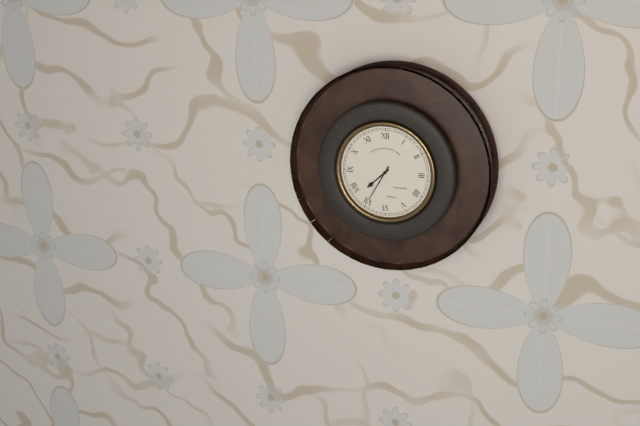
7 h 35 min
